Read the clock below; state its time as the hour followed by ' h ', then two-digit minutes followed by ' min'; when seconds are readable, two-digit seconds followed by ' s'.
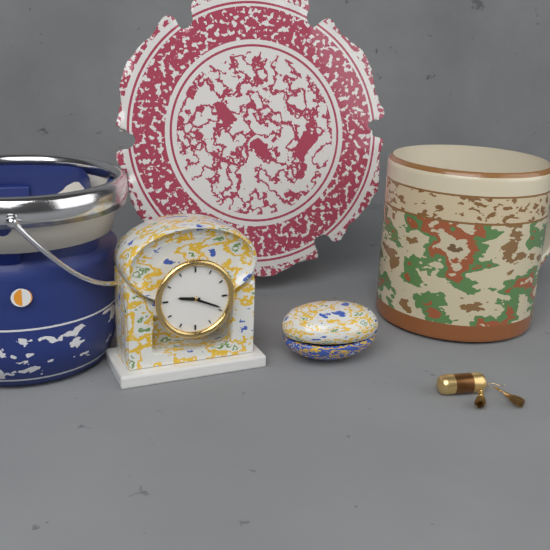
9 h 19 min
